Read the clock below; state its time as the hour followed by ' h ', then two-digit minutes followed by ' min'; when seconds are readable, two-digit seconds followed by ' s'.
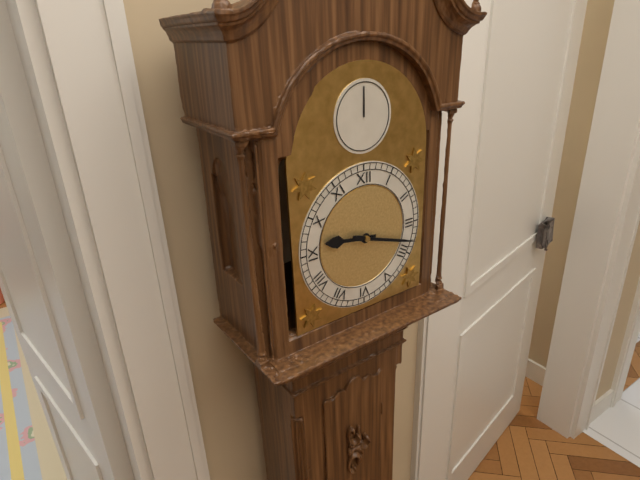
9 h 18 min
